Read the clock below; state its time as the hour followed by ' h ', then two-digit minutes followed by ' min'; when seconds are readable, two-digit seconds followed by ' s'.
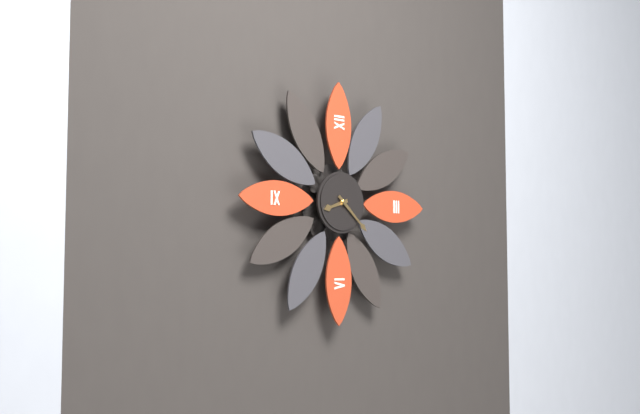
8 h 22 min
